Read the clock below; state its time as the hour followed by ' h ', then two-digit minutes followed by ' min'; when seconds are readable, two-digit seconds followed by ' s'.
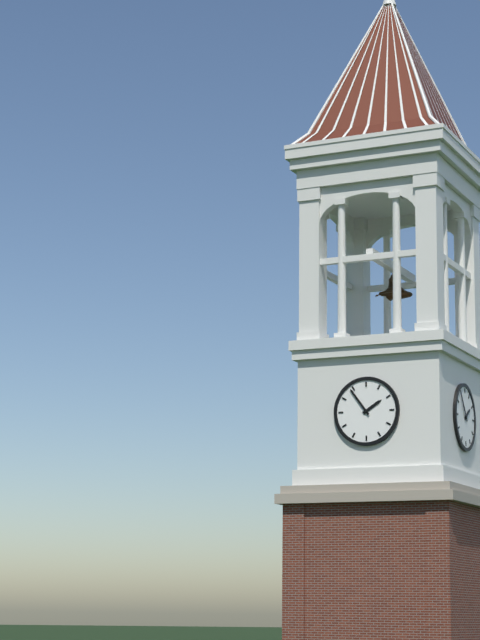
1 h 54 min
